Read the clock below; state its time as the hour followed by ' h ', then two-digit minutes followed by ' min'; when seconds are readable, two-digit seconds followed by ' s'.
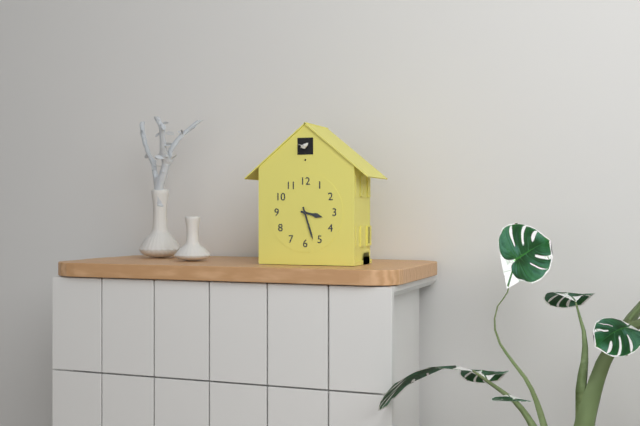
3 h 27 min
